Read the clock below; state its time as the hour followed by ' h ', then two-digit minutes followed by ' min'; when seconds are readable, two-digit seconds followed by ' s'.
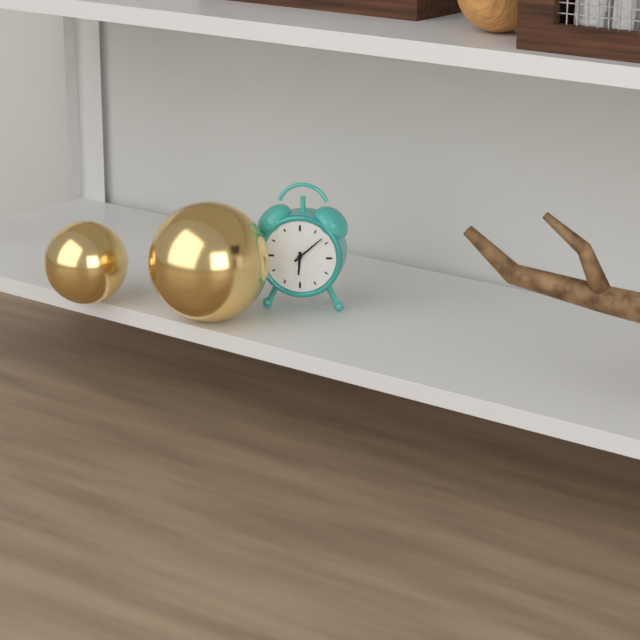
6 h 08 min
